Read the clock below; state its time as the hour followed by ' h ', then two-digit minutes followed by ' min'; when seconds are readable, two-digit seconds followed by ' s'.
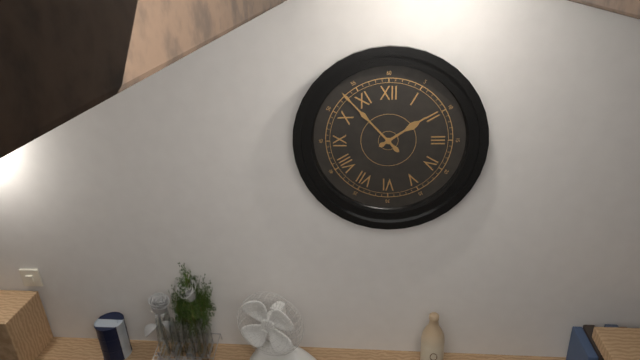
1 h 53 min
